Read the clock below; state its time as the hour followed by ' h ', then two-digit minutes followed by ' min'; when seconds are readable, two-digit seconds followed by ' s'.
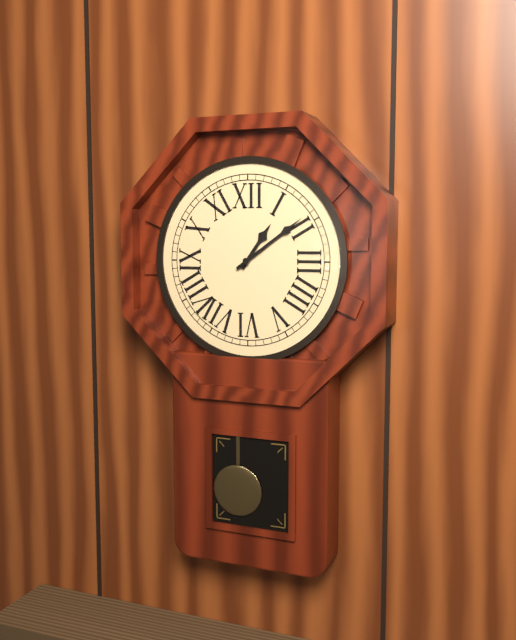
1 h 09 min
